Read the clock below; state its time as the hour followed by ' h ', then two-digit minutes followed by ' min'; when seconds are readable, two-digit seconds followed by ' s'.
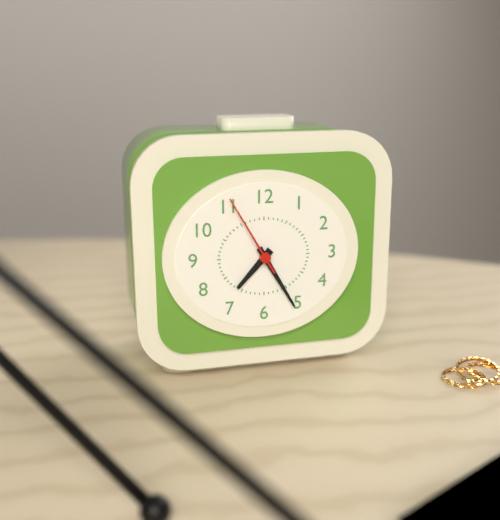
7 h 25 min 55 s
